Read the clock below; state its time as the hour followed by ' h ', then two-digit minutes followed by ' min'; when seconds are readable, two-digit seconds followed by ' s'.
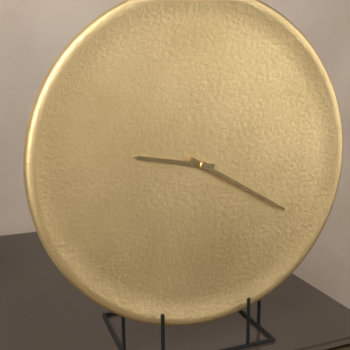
9 h 20 min
